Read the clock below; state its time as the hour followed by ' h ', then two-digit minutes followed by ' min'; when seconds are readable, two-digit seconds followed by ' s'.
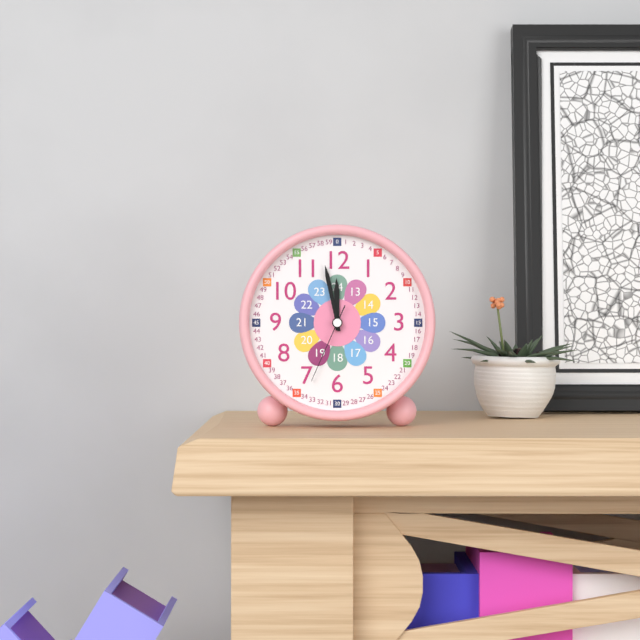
11 h 58 min 34 s
